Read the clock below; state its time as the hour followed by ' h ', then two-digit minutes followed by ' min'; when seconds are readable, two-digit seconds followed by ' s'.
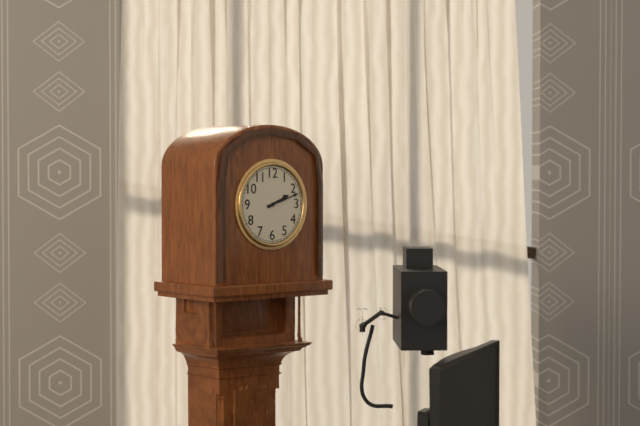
2 h 12 min
